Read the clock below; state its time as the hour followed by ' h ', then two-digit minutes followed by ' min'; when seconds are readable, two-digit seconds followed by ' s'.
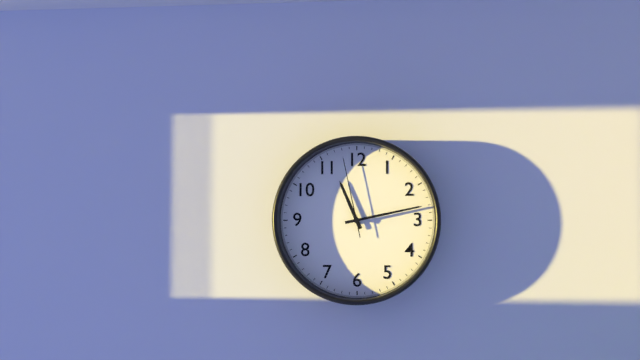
11 h 13 min 58 s
